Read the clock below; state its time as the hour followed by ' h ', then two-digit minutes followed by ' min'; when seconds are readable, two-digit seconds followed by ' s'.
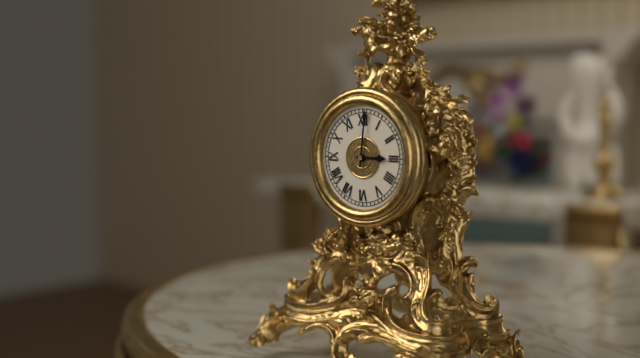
3 h 01 min
